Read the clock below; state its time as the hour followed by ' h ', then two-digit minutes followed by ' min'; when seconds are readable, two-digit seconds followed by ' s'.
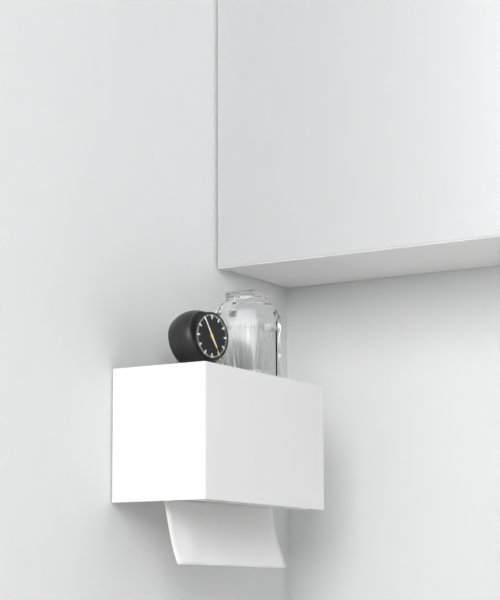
4 h 55 min
